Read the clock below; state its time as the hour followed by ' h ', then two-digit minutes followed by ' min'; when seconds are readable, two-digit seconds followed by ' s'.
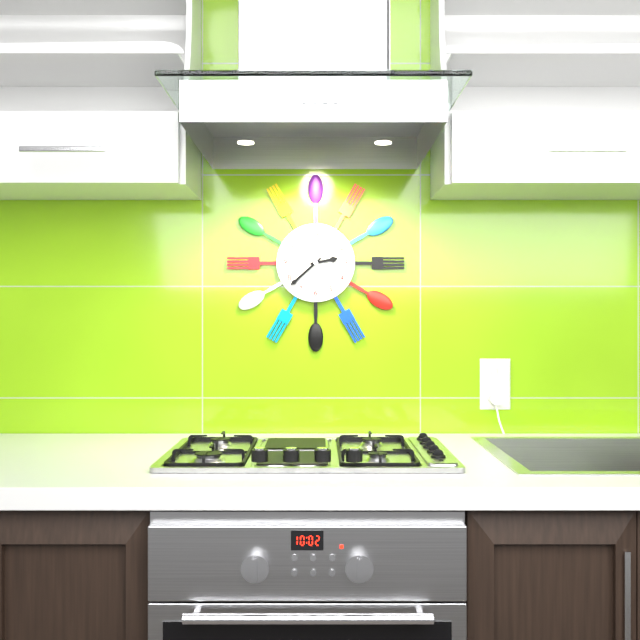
2 h 38 min
